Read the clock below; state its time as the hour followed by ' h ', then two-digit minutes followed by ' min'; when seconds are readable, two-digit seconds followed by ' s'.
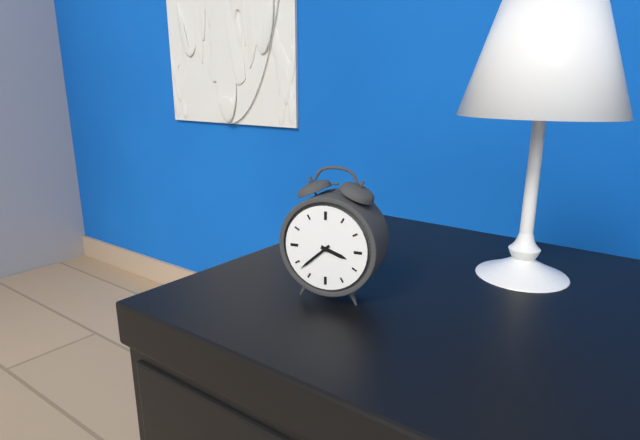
3 h 38 min
